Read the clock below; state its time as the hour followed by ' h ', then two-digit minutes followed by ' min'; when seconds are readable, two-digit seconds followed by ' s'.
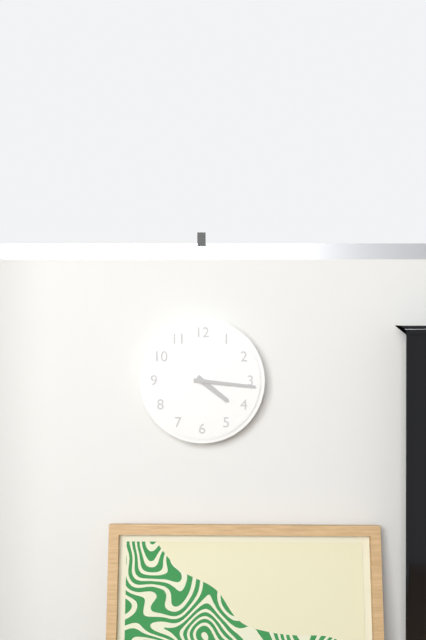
4 h 16 min
